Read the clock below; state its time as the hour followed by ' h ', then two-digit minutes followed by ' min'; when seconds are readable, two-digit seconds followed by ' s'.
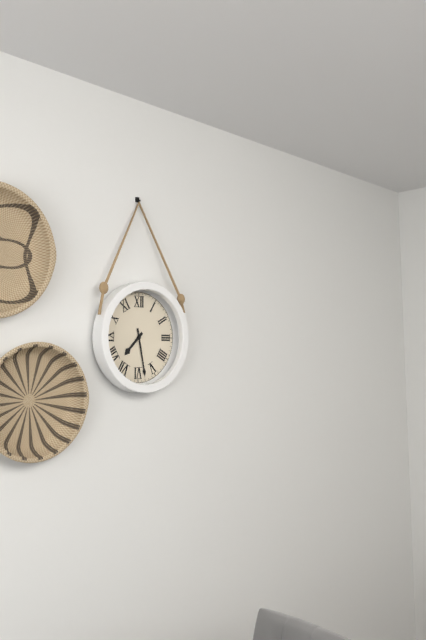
7 h 28 min
